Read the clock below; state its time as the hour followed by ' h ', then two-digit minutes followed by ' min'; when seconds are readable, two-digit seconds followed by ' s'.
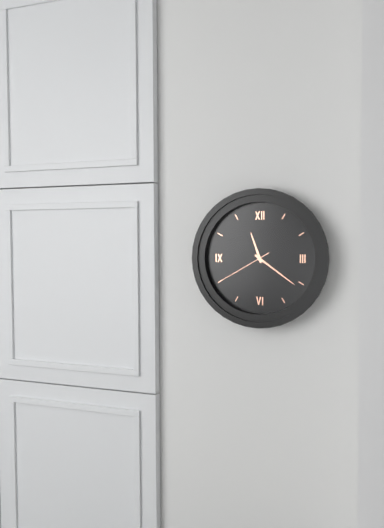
11 h 21 min 40 s
